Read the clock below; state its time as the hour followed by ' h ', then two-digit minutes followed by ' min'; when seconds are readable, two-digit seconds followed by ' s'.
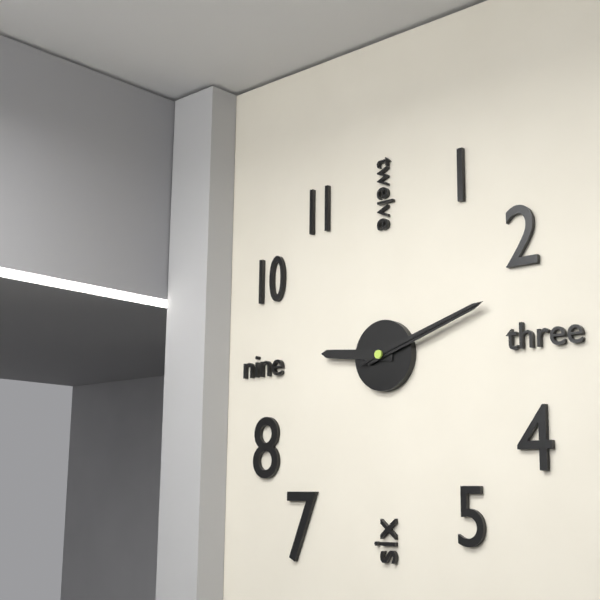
9 h 12 min 12 s
